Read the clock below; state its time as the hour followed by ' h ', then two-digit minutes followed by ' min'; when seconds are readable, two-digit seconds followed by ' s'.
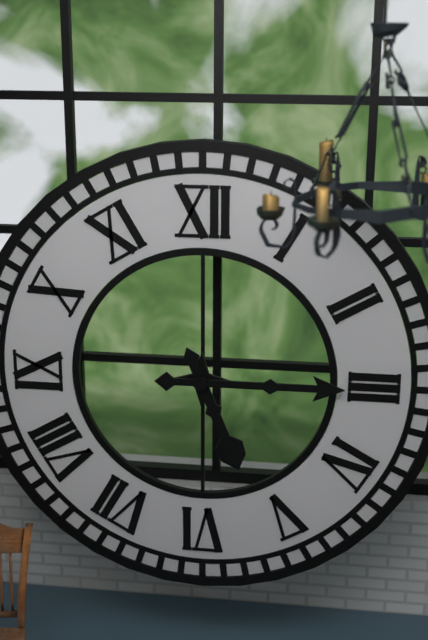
5 h 15 min
